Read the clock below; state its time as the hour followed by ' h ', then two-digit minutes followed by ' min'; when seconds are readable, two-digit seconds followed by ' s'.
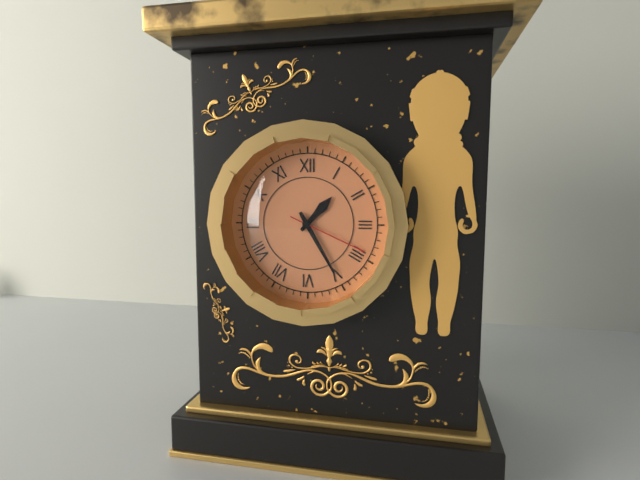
1 h 25 min 19 s
